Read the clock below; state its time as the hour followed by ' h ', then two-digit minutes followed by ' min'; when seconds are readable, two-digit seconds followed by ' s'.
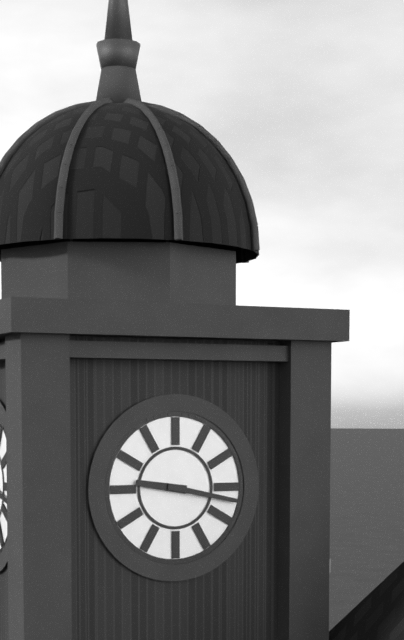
9 h 17 min
